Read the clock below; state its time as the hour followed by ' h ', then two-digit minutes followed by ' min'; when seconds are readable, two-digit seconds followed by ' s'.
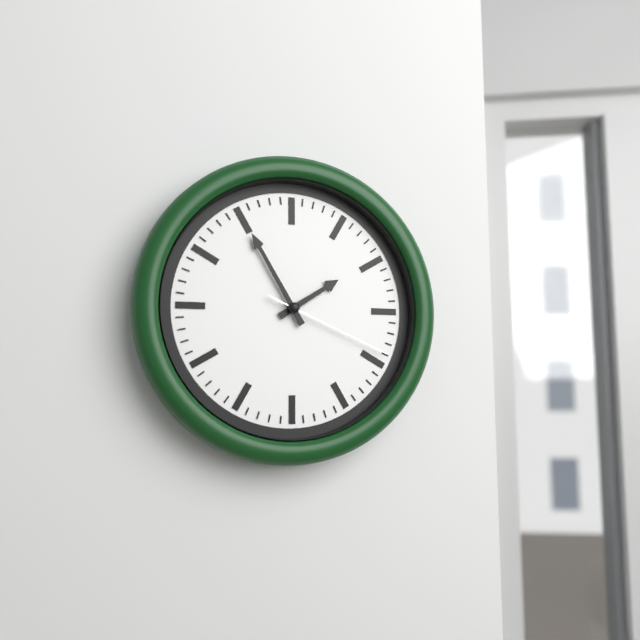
1 h 55 min 19 s
